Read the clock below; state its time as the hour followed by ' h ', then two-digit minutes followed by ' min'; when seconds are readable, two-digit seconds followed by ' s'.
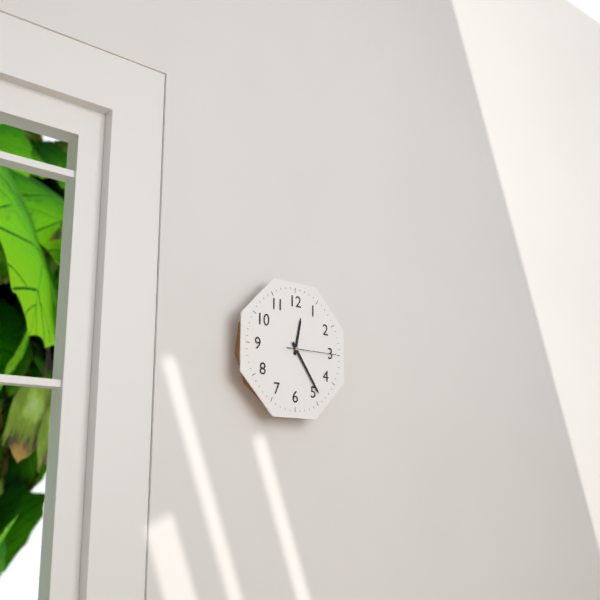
12 h 24 min 15 s
